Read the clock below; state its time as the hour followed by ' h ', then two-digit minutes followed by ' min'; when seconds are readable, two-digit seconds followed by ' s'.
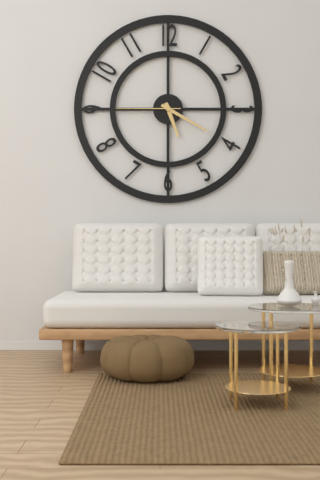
5 h 20 min 45 s
